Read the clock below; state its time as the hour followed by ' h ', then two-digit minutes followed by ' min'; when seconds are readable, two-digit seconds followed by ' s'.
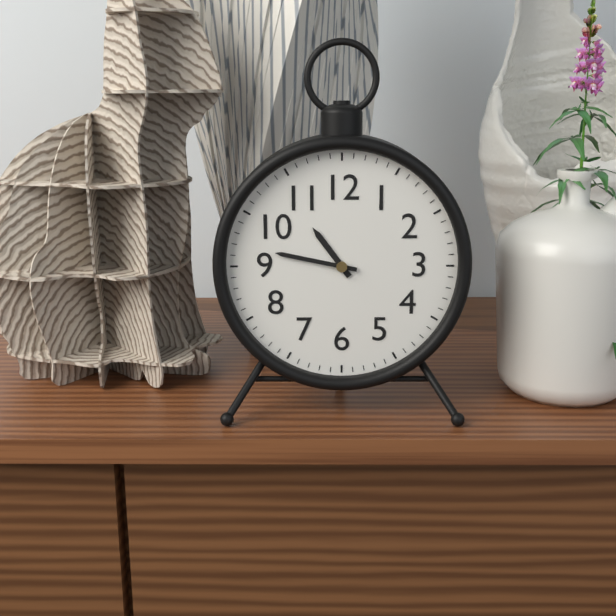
10 h 47 min
